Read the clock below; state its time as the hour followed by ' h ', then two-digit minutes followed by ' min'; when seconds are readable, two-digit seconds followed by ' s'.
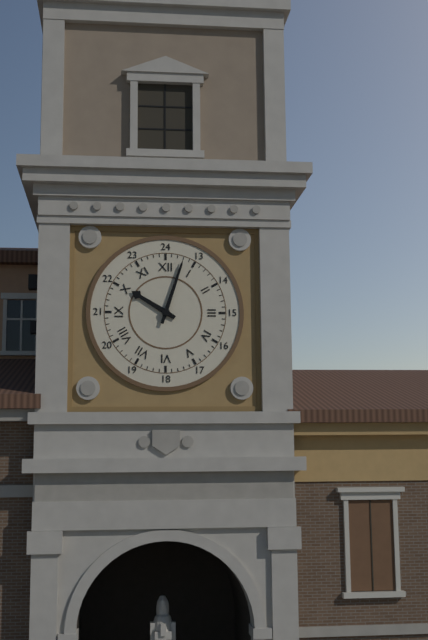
10 h 03 min
